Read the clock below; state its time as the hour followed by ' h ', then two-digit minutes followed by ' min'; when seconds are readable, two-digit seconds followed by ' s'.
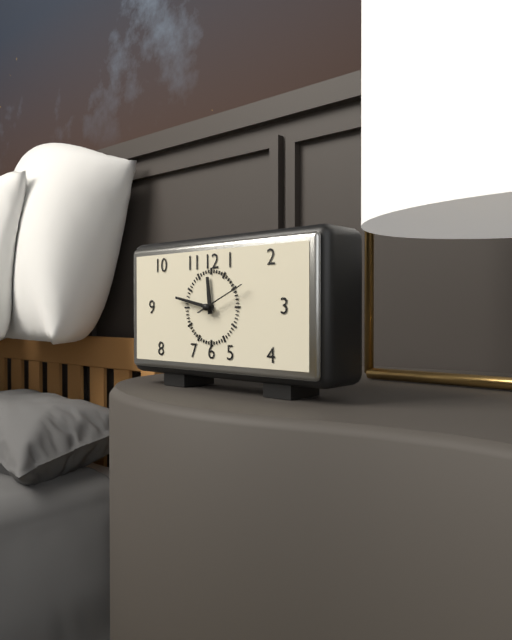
11 h 47 min 11 s
